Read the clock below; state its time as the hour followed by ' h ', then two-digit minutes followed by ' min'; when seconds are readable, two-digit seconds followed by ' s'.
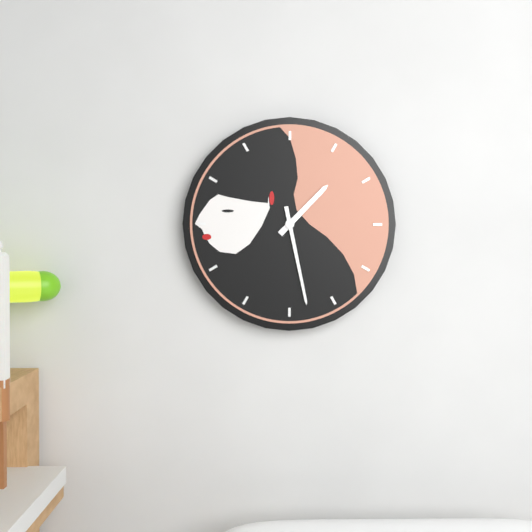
1 h 28 min
